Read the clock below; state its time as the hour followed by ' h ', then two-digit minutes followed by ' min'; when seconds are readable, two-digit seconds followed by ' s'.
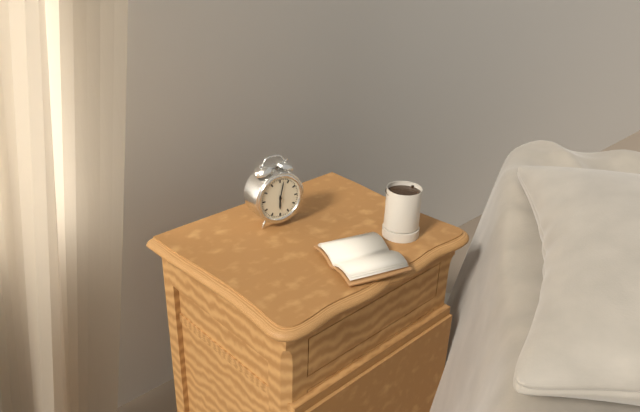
6 h 02 min
